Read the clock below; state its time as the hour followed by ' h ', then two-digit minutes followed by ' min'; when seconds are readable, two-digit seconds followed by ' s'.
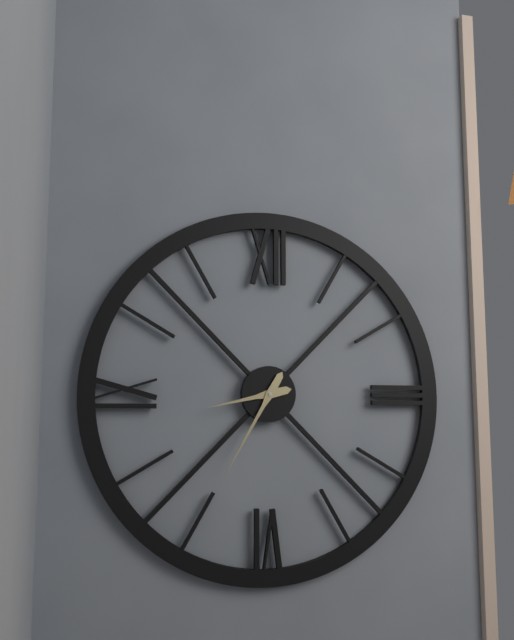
8 h 35 min
